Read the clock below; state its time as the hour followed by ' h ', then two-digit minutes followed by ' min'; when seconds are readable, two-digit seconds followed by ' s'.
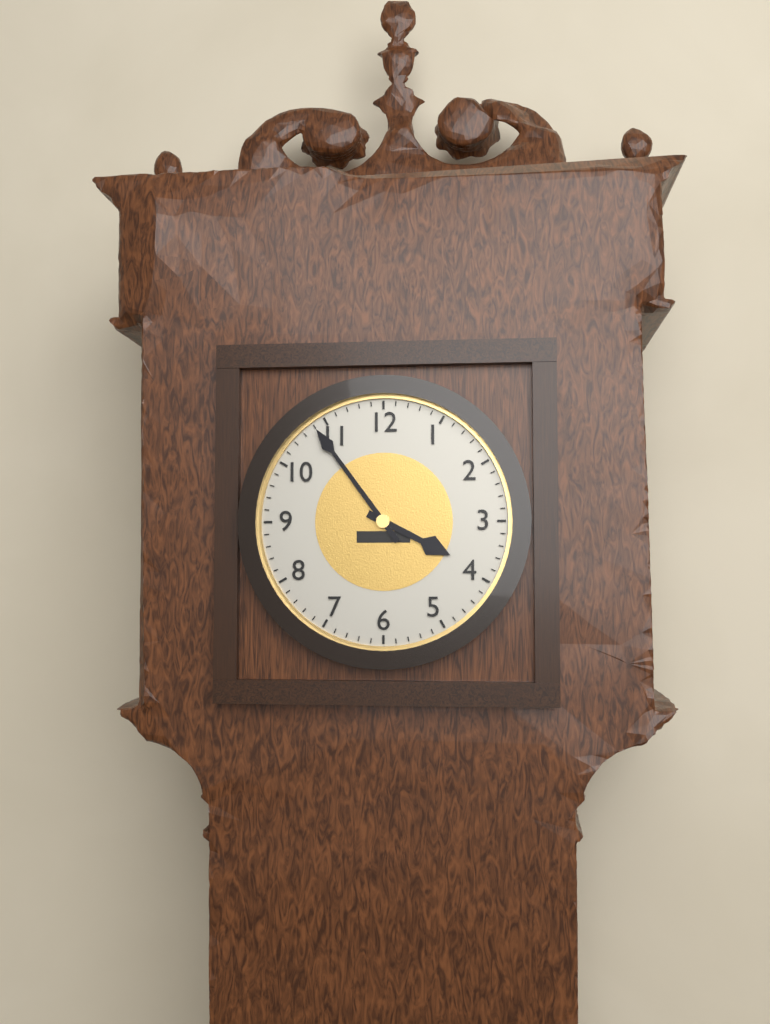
3 h 54 min
